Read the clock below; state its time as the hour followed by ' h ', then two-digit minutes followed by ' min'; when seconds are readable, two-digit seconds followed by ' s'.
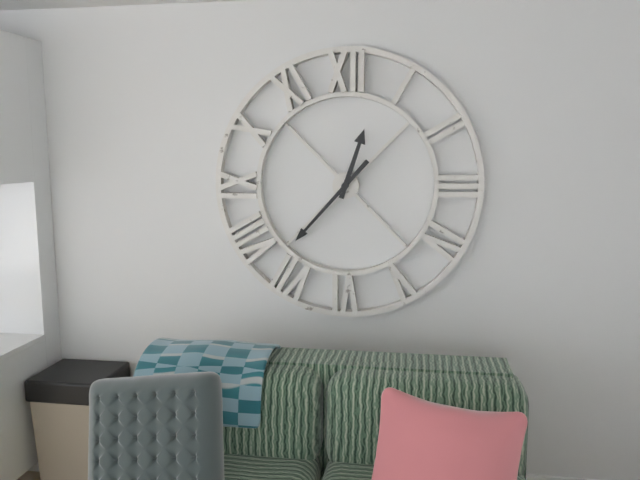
12 h 37 min
